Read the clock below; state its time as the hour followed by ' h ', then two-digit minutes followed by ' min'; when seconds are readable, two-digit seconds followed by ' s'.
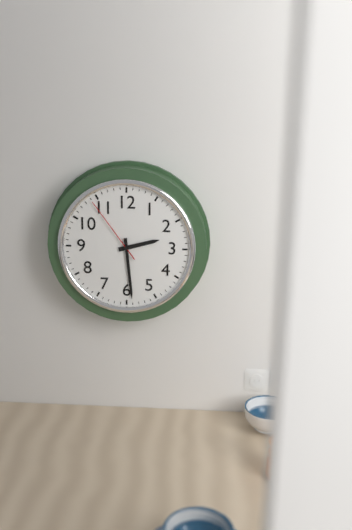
2 h 29 min 54 s
